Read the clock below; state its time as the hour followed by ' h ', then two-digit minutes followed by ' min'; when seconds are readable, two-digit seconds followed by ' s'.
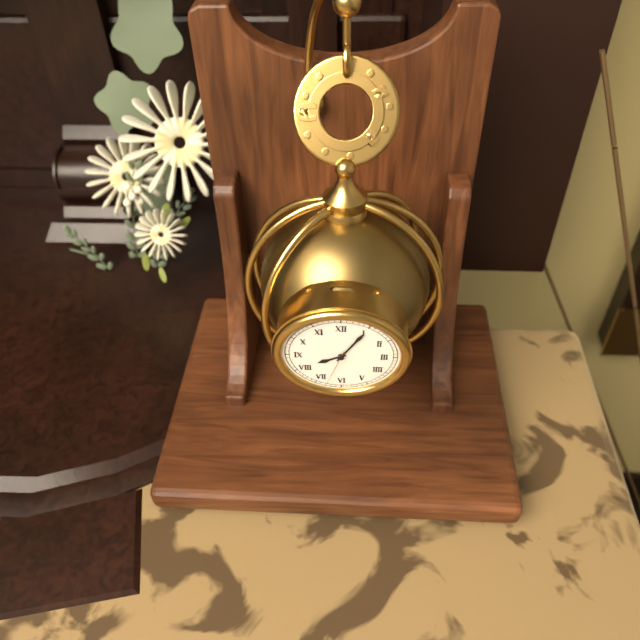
8 h 05 min
